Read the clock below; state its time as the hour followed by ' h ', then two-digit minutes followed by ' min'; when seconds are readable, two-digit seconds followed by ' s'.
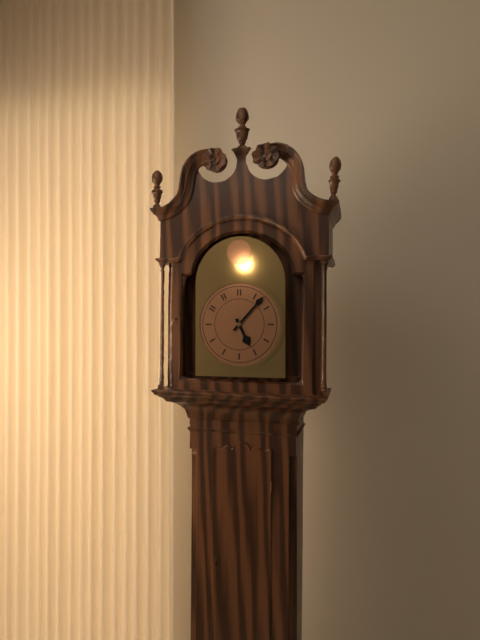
5 h 07 min
